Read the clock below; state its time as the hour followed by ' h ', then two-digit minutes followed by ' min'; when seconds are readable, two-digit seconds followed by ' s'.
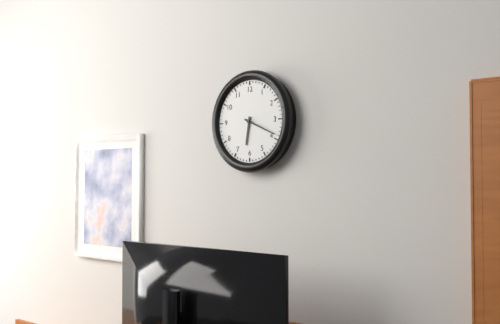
6 h 19 min
